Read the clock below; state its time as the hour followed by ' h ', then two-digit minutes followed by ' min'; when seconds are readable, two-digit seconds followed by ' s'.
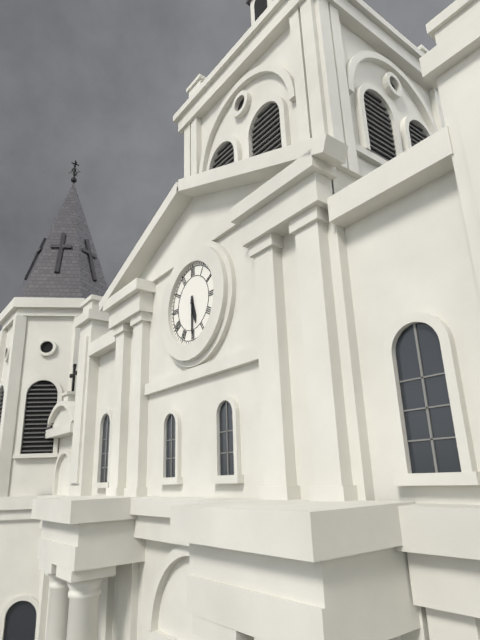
5 h 30 min
